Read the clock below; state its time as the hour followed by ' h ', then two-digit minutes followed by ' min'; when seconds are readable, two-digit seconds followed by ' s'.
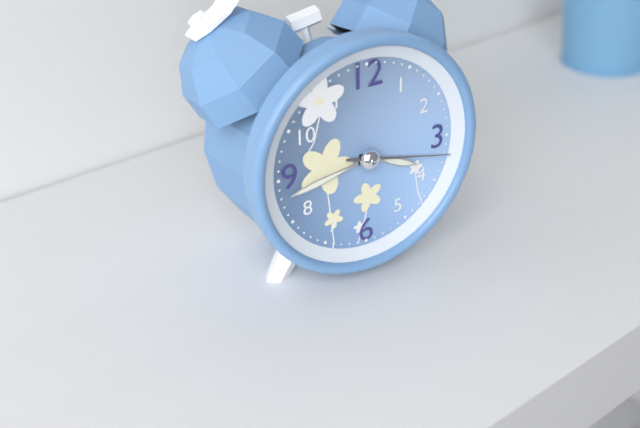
3 h 43 min 17 s
